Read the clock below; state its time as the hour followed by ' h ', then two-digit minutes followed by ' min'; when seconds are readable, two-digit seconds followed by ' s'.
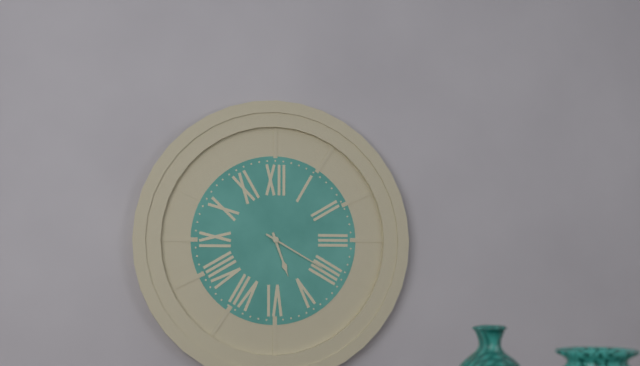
5 h 20 min
